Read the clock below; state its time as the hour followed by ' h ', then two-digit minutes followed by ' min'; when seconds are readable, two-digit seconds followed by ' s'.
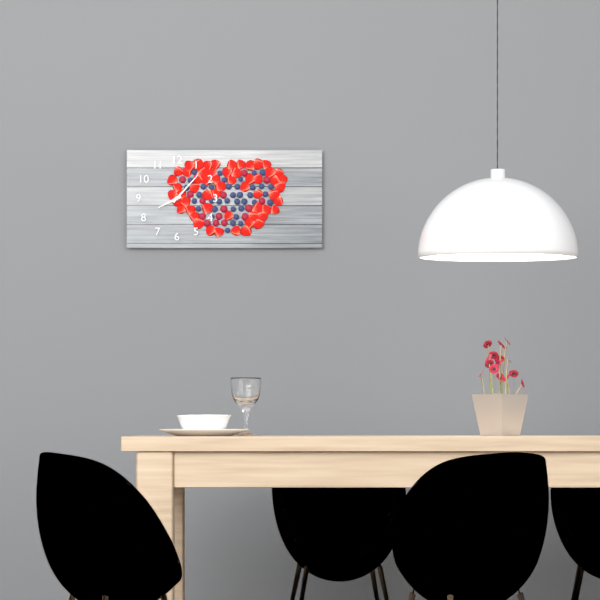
8 h 07 min
